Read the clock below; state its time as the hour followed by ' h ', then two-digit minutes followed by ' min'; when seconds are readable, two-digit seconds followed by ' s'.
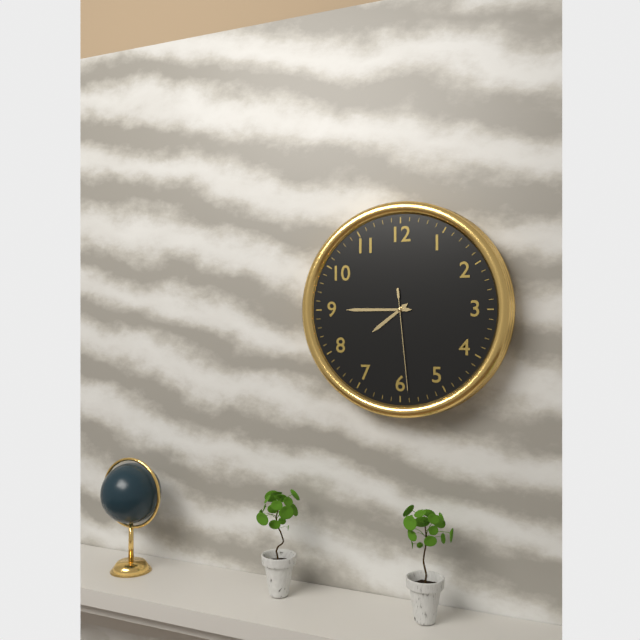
7 h 45 min 29 s
